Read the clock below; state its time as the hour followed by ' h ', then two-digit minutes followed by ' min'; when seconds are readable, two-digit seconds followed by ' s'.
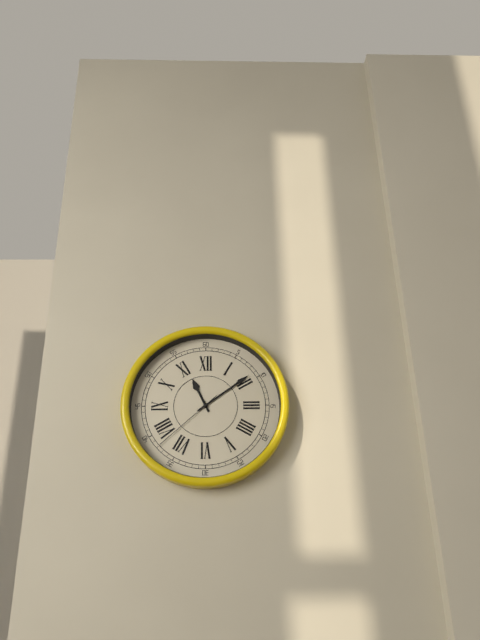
11 h 09 min 38 s
